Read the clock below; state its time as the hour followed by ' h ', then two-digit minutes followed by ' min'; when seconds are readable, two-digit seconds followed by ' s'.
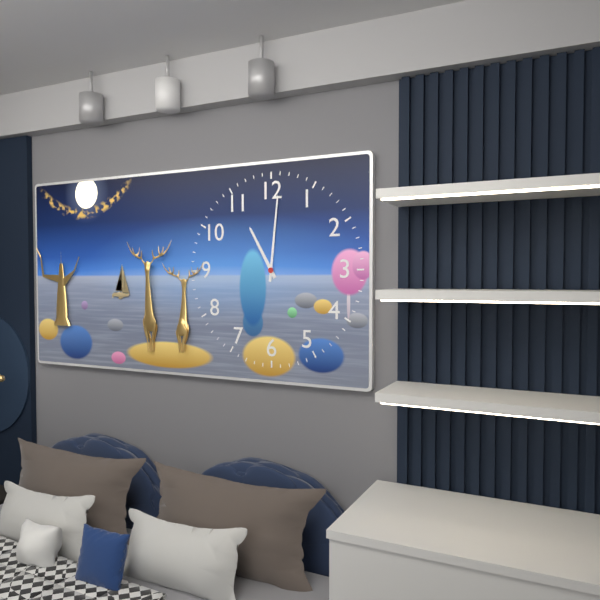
11 h 01 min
